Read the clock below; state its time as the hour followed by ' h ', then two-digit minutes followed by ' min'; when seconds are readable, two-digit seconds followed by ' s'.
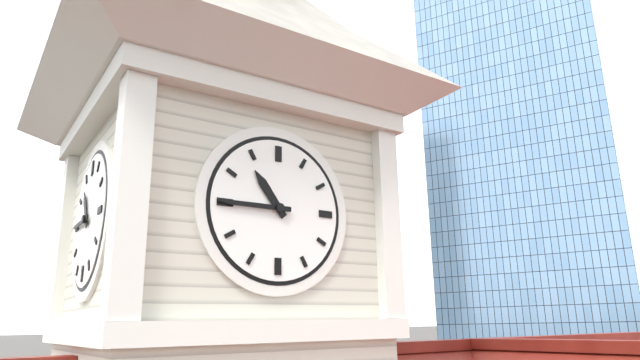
10 h 45 min
